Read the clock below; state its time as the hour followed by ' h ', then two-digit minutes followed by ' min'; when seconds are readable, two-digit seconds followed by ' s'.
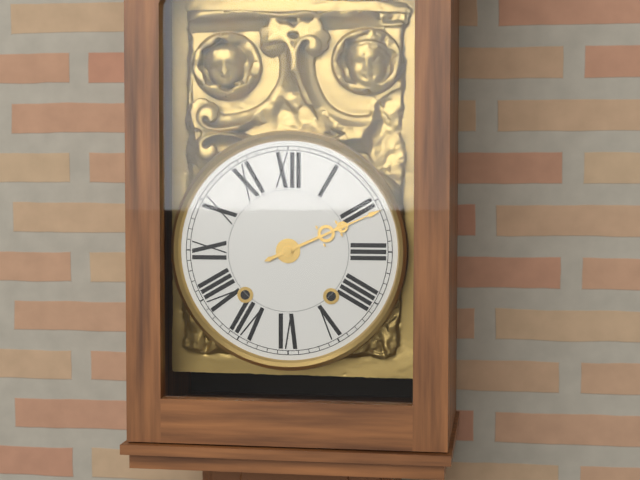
2 h 11 min
